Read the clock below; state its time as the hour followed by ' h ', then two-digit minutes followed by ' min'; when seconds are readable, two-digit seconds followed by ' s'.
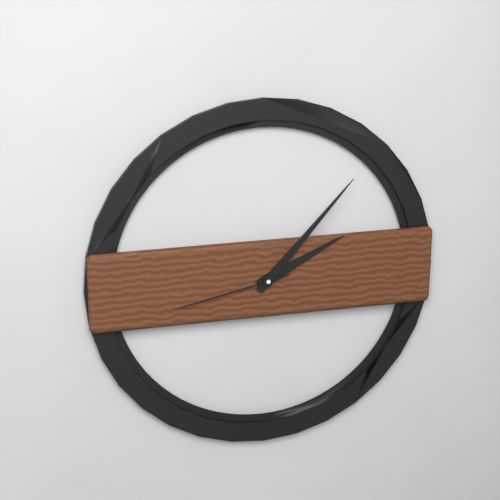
2 h 07 min 43 s
